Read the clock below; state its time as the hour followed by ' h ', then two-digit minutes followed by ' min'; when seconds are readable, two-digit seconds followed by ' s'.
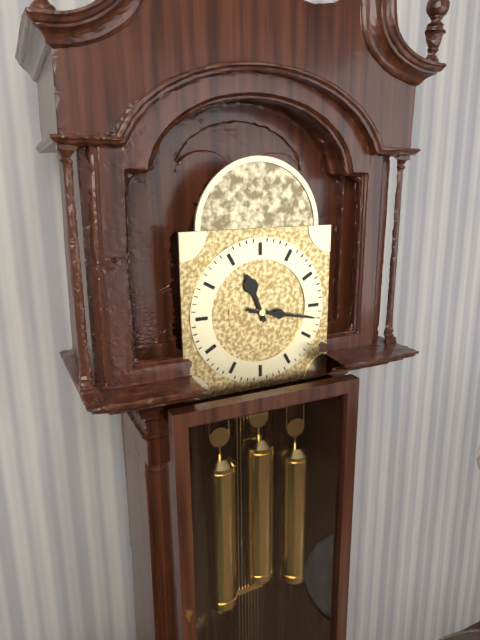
11 h 17 min
